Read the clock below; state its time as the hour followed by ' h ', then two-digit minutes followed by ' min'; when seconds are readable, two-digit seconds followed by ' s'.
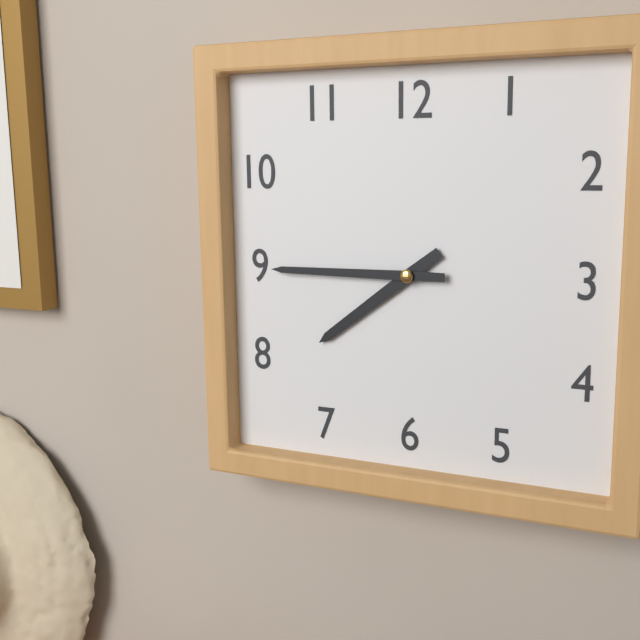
7 h 45 min
